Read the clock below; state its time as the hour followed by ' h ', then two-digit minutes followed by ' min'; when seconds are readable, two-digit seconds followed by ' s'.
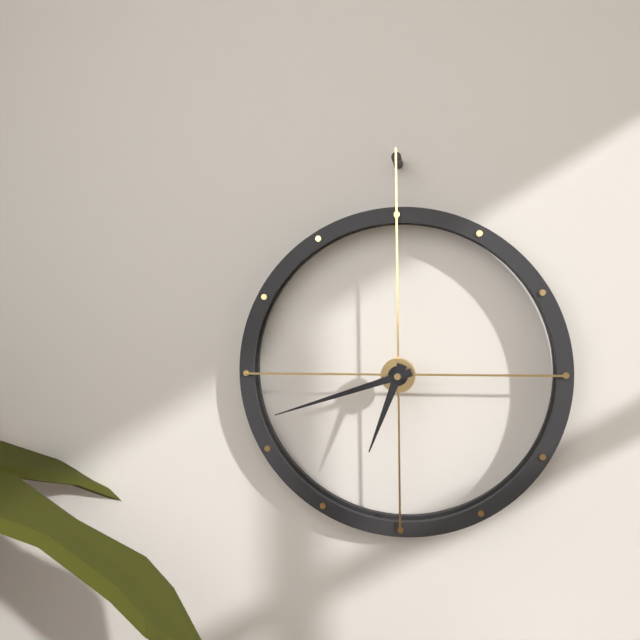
6 h 42 min
